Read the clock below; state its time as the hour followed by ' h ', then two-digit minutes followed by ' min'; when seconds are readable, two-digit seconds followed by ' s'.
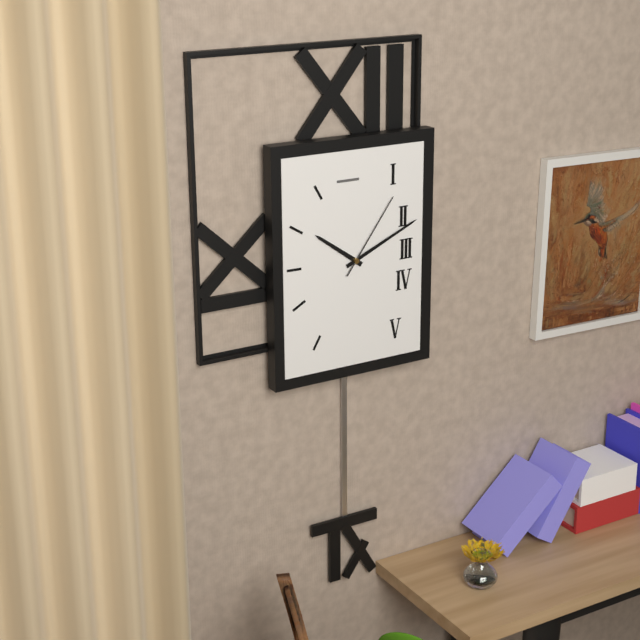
10 h 11 min 06 s
